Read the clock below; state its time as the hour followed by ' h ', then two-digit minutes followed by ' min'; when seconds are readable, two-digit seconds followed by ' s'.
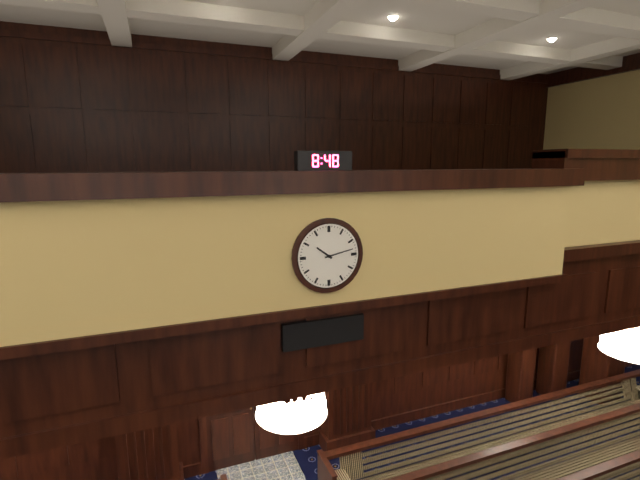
10 h 13 min
